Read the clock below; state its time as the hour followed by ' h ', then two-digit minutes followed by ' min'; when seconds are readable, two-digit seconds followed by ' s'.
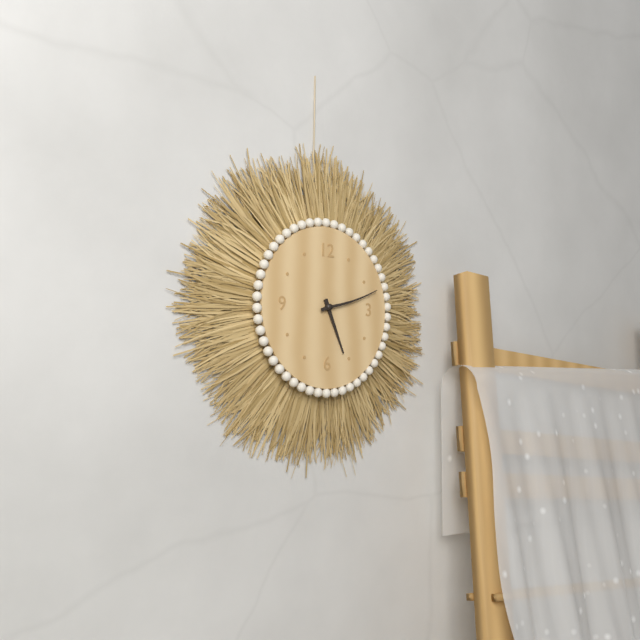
5 h 12 min
